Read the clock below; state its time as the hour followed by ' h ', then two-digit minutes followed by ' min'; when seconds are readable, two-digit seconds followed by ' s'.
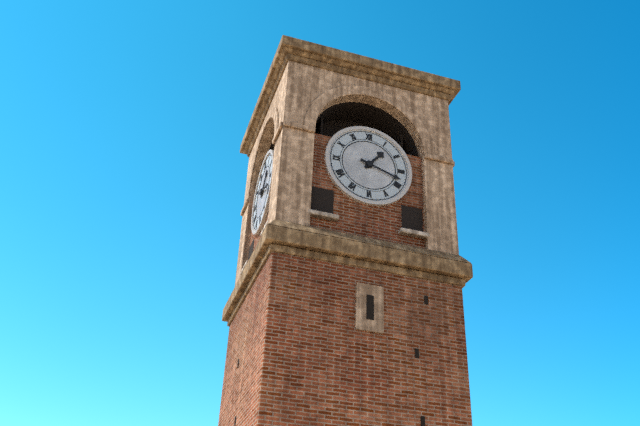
1 h 18 min
